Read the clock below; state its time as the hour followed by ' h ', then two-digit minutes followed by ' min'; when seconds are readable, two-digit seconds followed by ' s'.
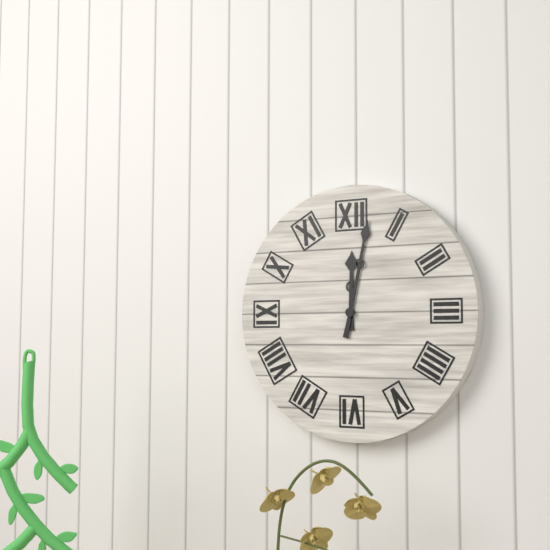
12 h 02 min
